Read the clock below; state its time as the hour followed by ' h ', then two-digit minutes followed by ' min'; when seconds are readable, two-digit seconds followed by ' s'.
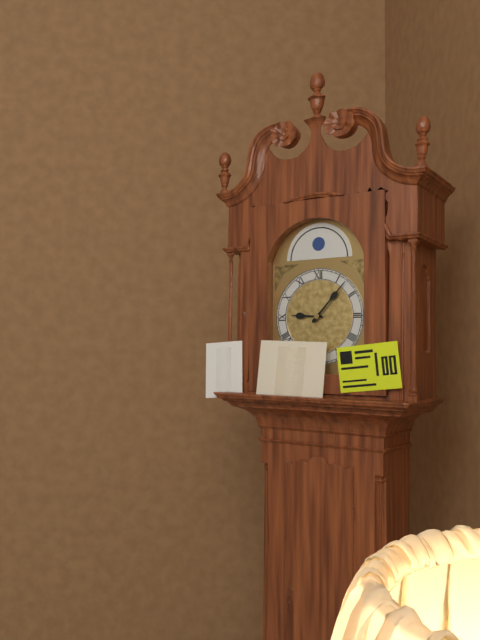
9 h 07 min
